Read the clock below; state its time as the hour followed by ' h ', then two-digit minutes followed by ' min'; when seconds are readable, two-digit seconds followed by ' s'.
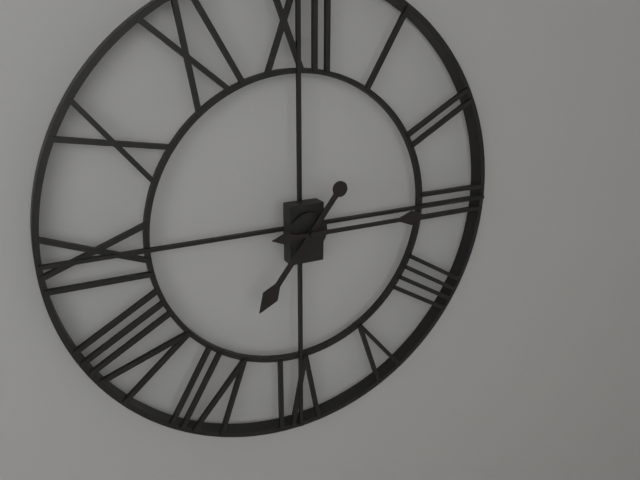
7 h 15 min
